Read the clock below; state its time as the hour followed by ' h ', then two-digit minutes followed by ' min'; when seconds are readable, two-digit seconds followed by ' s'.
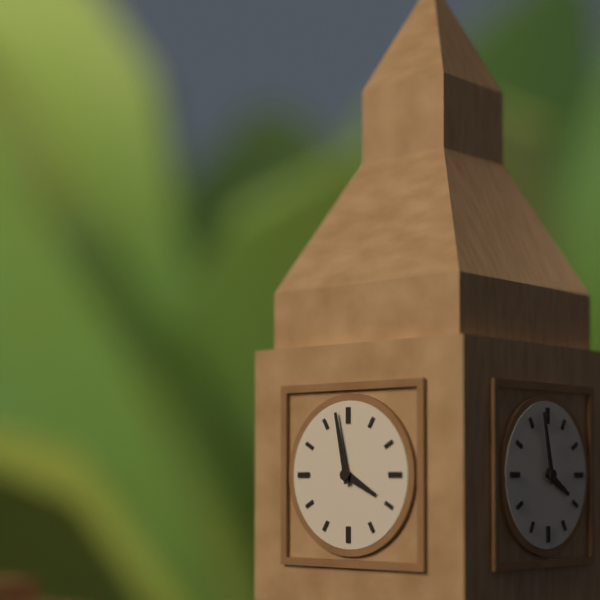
3 h 58 min
